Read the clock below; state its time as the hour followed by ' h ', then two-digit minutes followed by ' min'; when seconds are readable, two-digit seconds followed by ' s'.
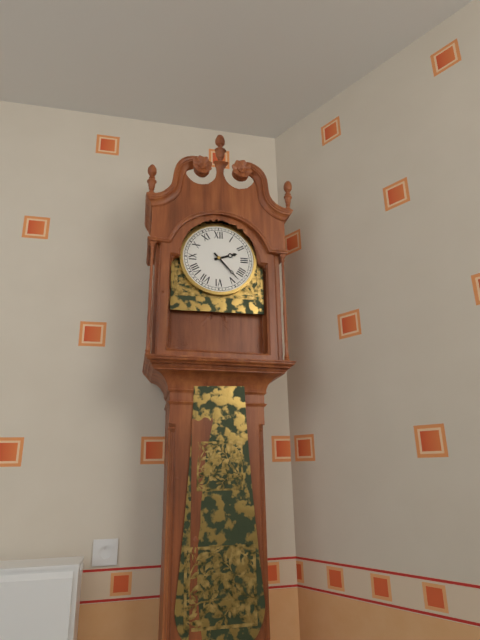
2 h 23 min
